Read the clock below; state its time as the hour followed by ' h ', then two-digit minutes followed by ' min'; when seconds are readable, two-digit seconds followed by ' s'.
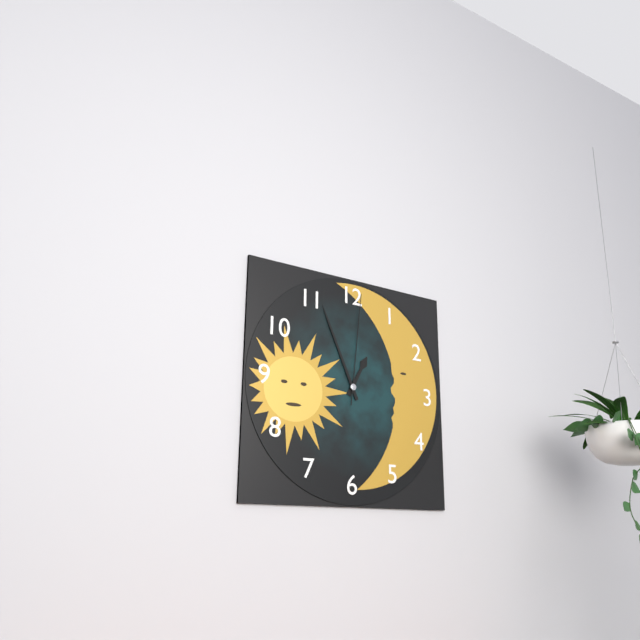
12 h 56 min 01 s
